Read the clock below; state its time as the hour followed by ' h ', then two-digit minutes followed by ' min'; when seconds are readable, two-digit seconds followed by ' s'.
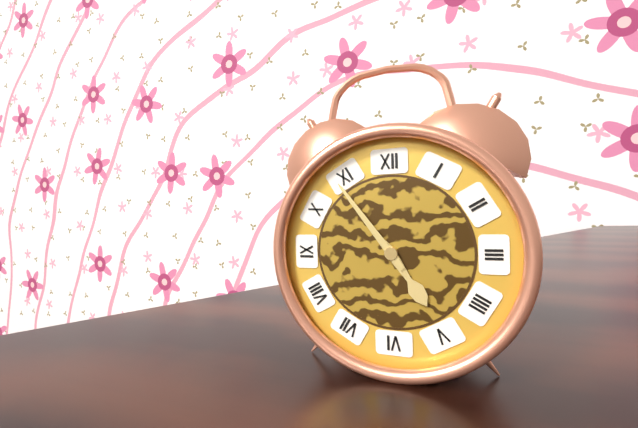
4 h 54 min
